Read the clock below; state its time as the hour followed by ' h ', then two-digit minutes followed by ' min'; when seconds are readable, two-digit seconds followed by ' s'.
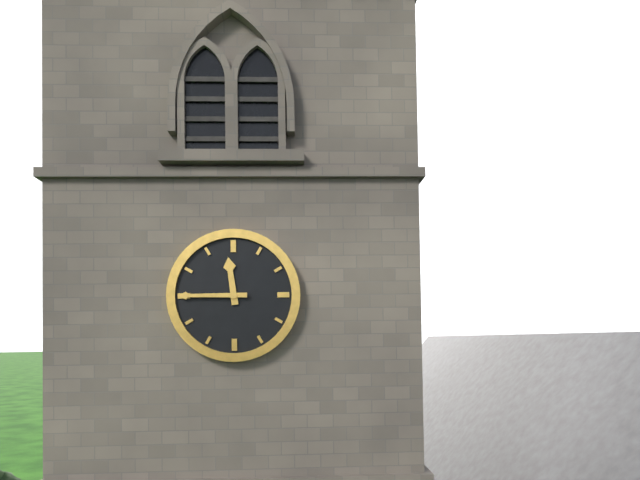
11 h 45 min
